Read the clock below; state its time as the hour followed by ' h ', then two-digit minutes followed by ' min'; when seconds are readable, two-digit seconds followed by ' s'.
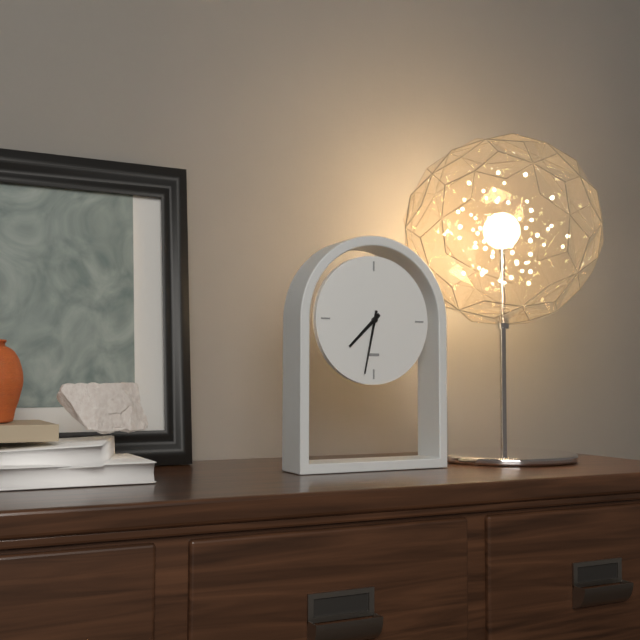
7 h 32 min
